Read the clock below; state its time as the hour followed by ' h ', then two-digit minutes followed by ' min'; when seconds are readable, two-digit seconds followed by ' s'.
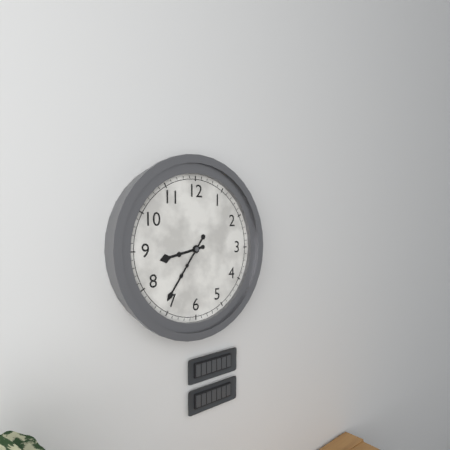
8 h 36 min
